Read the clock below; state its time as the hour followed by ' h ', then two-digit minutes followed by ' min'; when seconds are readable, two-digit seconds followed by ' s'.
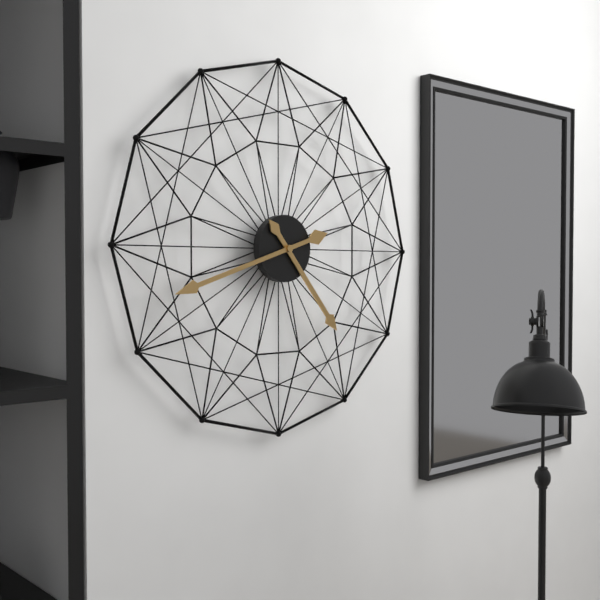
4 h 42 min
